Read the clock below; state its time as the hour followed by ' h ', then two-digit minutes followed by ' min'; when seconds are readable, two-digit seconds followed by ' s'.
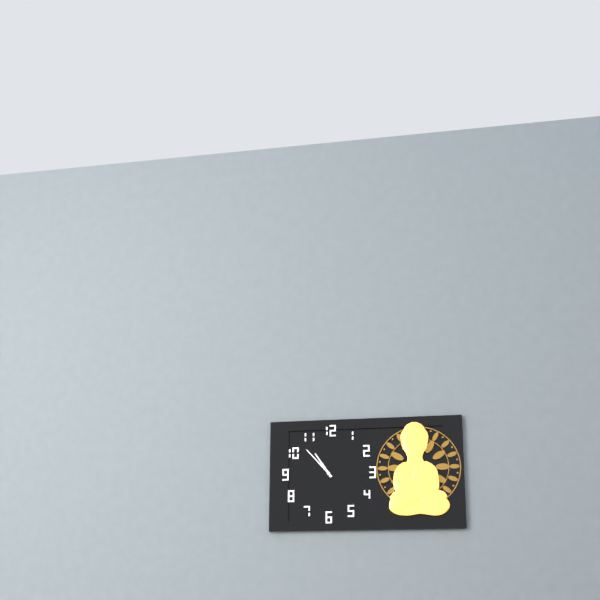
10 h 53 min
